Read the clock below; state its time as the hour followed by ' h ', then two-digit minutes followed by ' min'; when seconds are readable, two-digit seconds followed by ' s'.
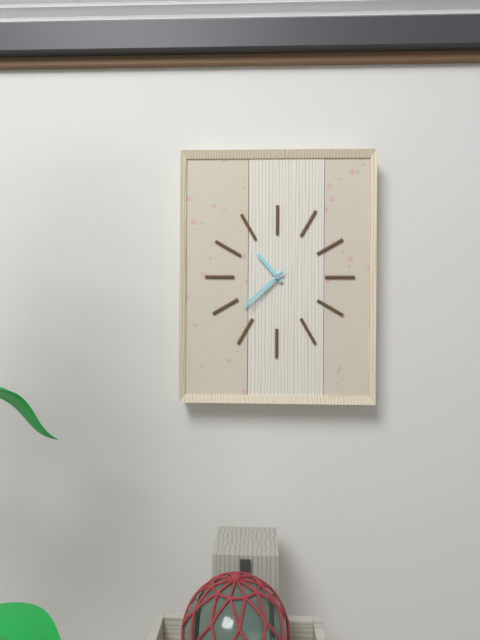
10 h 38 min 37 s
